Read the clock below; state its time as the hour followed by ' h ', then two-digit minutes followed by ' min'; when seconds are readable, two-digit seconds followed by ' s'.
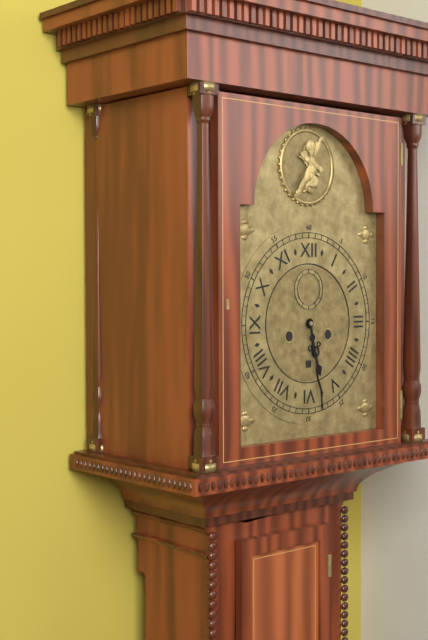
5 h 28 min
